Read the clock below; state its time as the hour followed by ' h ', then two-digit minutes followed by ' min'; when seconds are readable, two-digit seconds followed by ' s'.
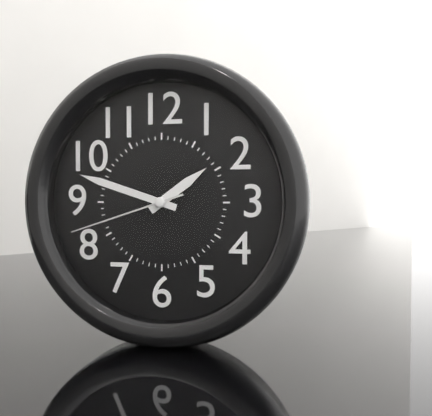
1 h 48 min 42 s
